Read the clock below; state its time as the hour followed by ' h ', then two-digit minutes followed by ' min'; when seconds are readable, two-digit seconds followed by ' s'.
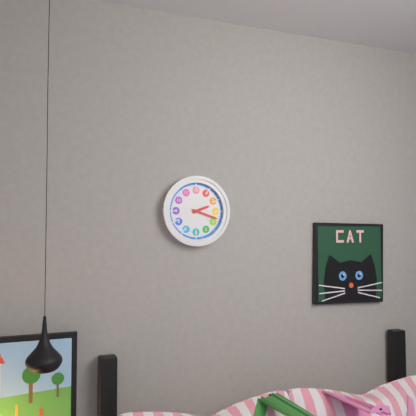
2 h 18 min
